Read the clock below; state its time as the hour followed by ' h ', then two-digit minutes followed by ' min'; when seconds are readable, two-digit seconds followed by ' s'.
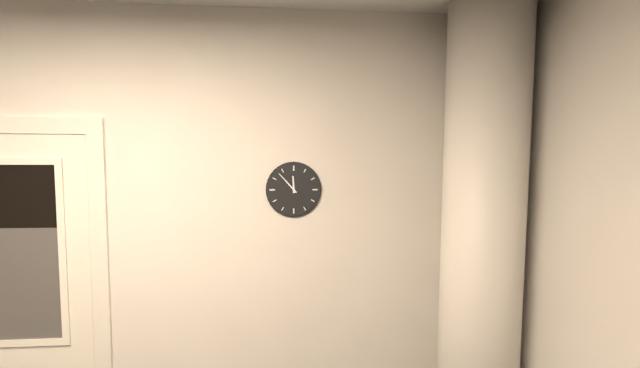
11 h 53 min
